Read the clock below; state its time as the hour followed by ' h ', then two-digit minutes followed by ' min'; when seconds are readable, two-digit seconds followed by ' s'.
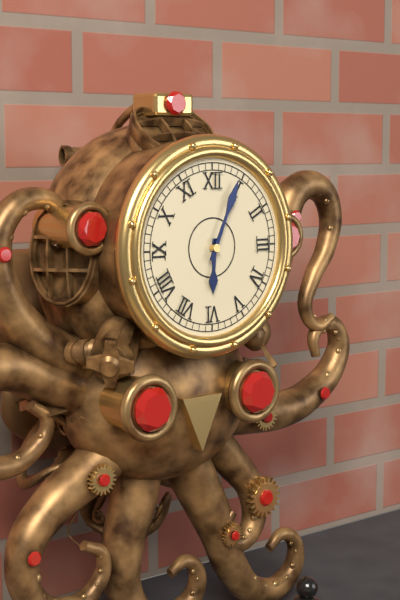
6 h 04 min
